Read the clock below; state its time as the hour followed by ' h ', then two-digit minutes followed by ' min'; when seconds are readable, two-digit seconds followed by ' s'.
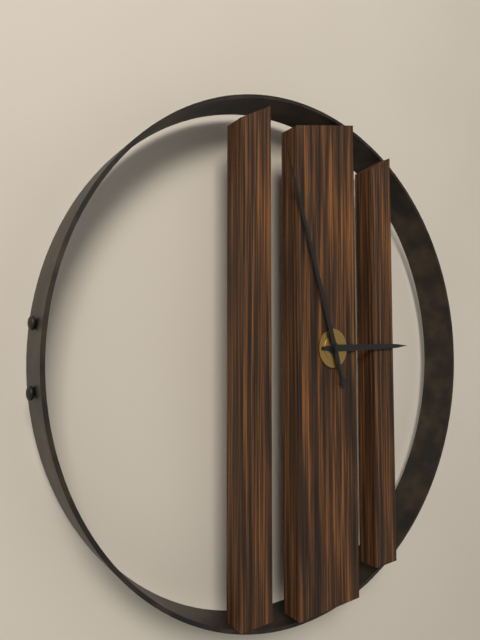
2 h 57 min
